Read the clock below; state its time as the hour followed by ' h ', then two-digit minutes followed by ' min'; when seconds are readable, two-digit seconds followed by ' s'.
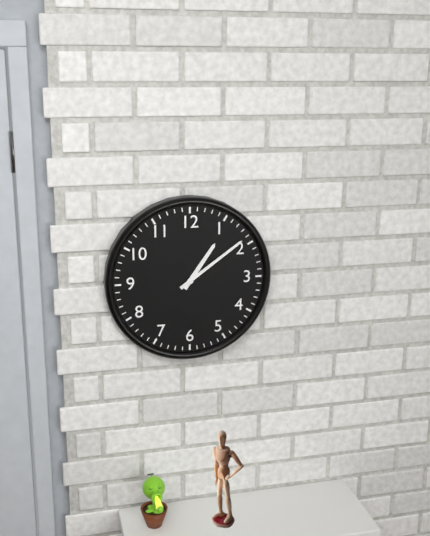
1 h 09 min
